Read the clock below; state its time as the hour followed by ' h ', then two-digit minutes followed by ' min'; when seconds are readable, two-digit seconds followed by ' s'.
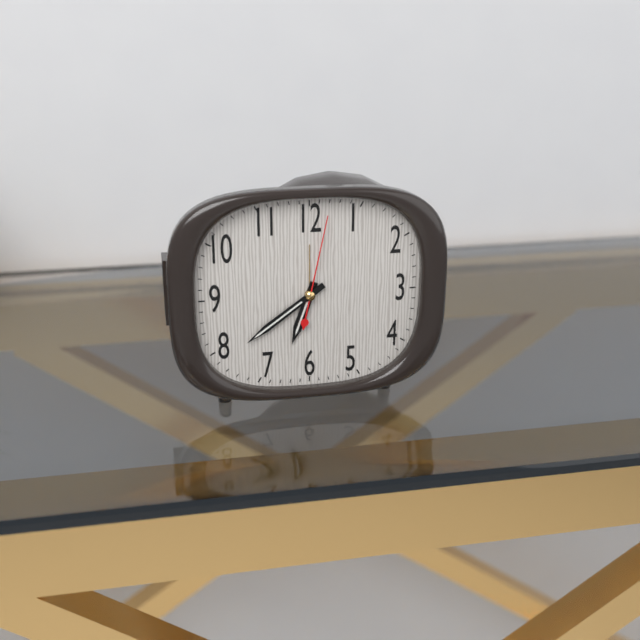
6 h 39 min 02 s
